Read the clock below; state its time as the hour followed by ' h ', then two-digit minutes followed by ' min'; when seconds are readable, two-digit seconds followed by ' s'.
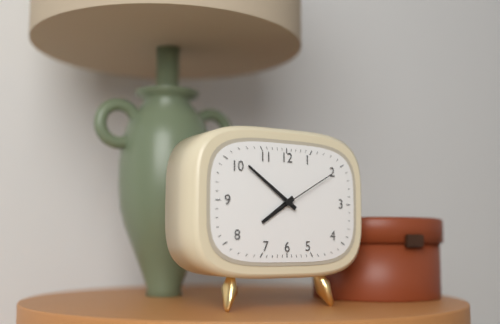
7 h 51 min 10 s
